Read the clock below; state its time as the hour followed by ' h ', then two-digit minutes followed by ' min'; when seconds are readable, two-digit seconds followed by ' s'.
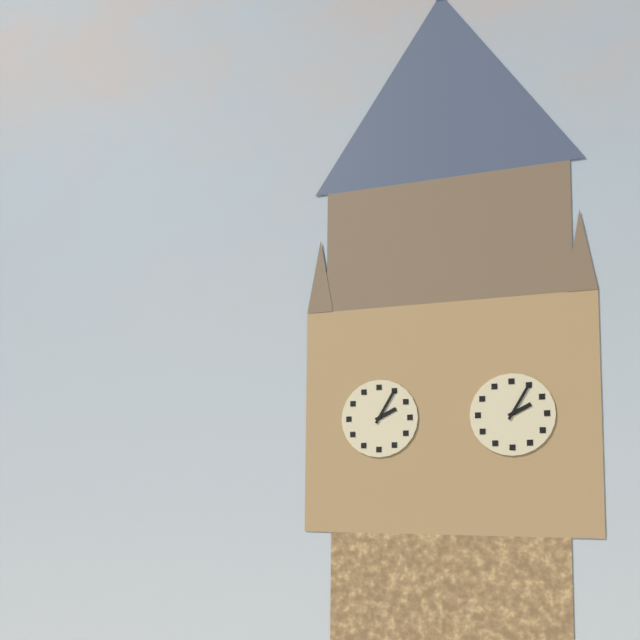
2 h 05 min
